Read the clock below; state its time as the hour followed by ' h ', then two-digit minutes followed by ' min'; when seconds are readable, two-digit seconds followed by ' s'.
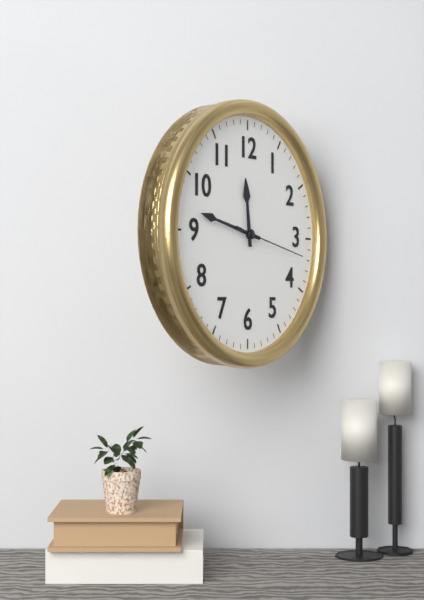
11 h 47 min 17 s
